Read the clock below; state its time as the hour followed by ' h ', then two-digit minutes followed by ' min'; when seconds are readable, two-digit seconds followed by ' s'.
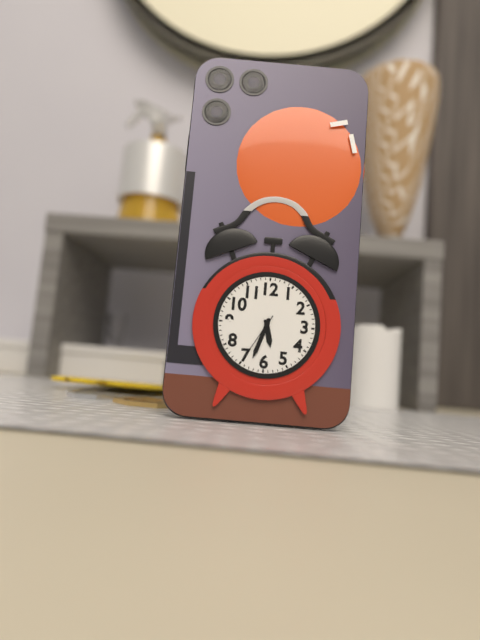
5 h 33 min 35 s
